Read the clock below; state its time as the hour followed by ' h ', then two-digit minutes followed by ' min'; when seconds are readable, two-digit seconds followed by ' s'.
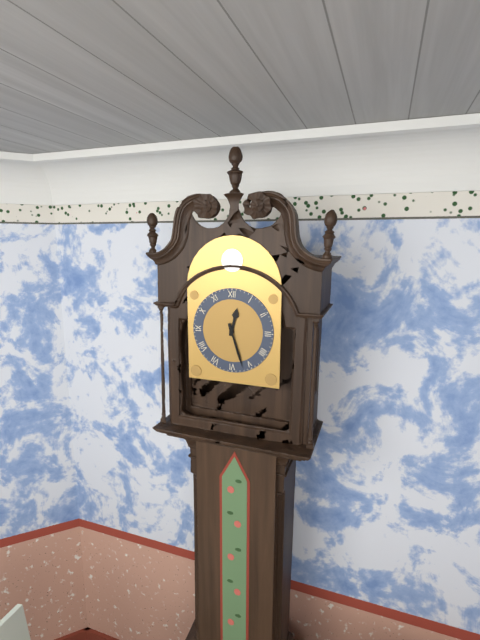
12 h 27 min
